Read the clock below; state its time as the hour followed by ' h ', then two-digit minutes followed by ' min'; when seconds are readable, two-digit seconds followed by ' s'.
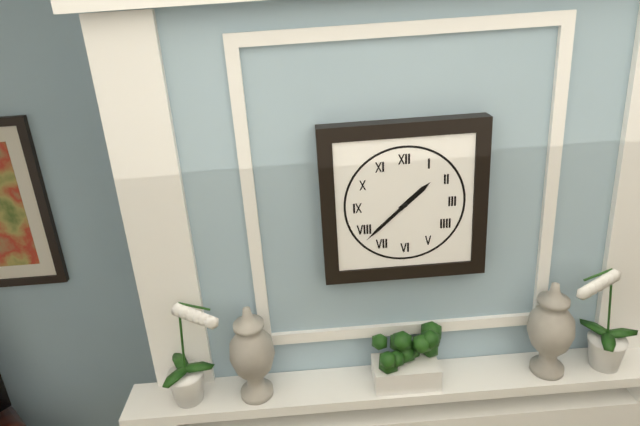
1 h 38 min
